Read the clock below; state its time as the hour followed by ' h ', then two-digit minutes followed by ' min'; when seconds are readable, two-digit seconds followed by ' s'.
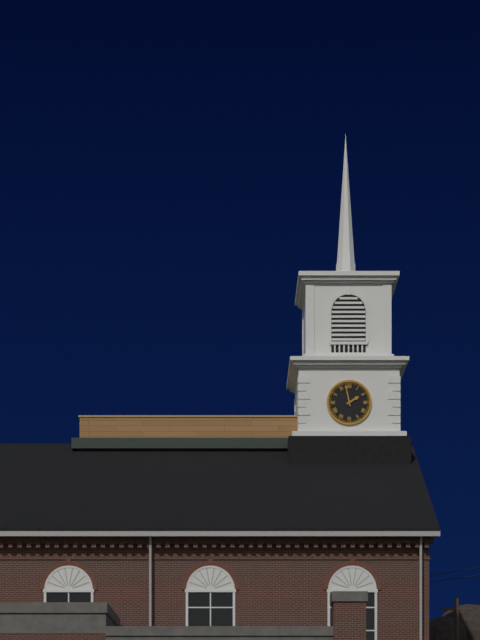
1 h 58 min
